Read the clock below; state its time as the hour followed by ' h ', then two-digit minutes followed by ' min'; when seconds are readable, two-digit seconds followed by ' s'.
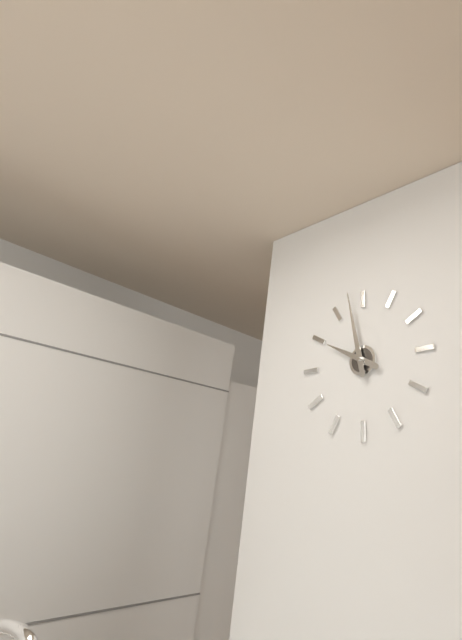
9 h 58 min
